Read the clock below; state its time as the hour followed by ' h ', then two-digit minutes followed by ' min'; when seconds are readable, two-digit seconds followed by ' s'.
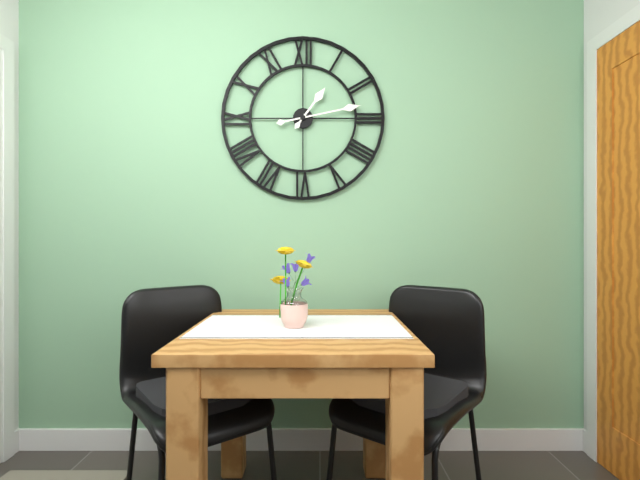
1 h 13 min
